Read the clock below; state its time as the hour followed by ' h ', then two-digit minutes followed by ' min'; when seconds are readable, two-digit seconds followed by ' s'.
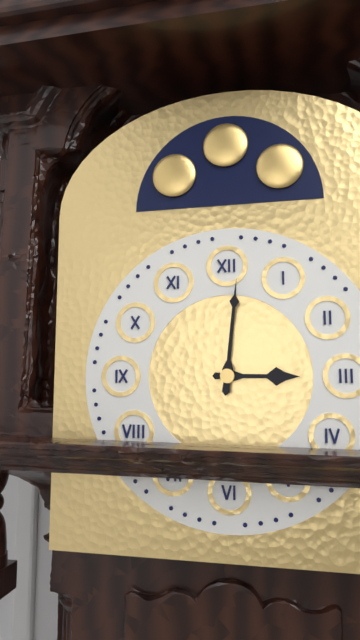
3 h 01 min
